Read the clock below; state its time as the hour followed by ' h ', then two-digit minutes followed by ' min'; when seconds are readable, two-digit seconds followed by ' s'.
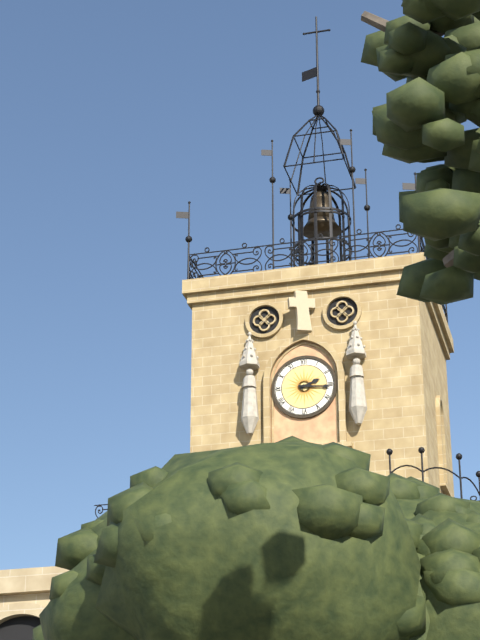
2 h 16 min
